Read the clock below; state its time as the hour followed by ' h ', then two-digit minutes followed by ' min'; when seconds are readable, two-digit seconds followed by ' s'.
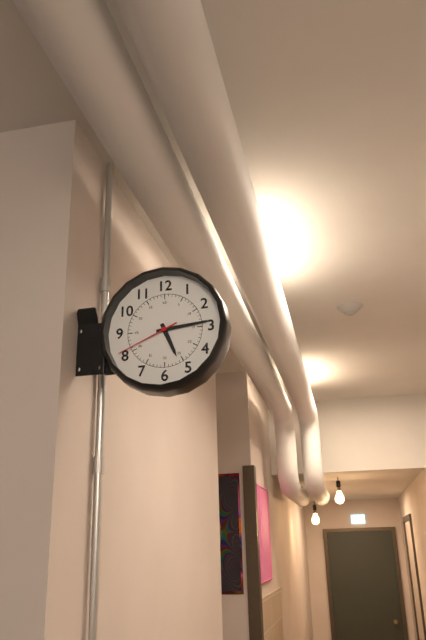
5 h 14 min 41 s
